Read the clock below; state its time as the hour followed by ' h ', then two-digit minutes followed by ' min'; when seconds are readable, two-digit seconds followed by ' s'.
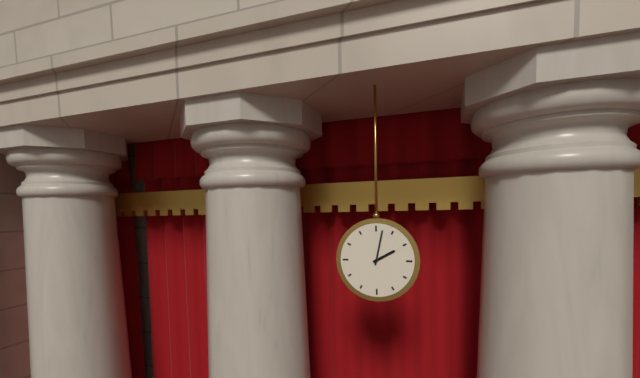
2 h 02 min
